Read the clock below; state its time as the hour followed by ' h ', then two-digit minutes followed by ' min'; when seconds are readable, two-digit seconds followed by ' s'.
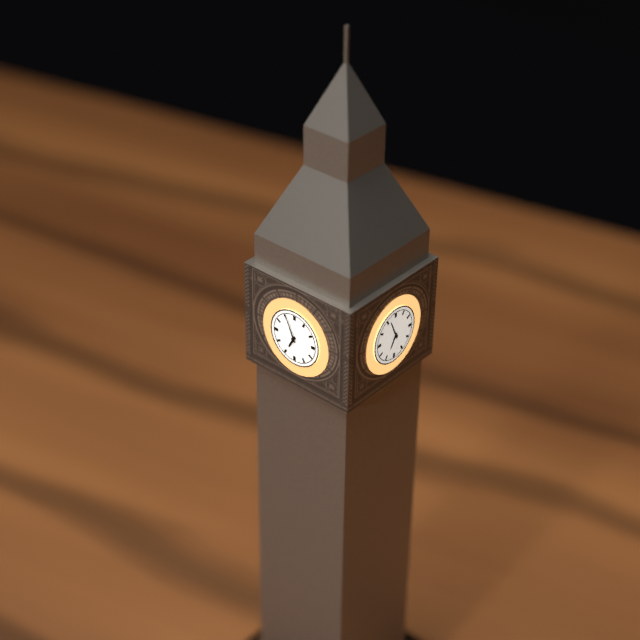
6 h 56 min
